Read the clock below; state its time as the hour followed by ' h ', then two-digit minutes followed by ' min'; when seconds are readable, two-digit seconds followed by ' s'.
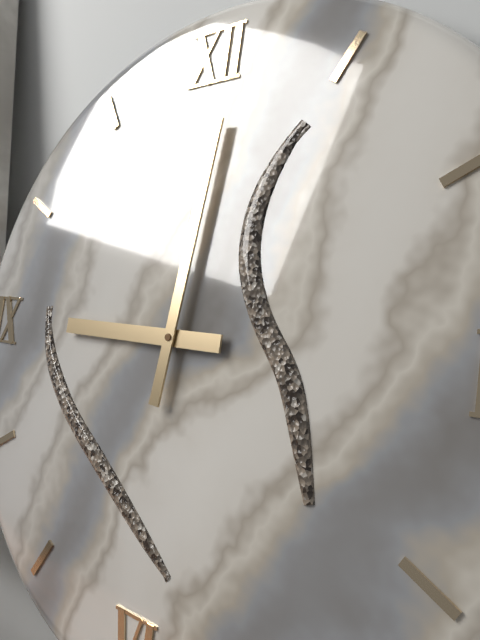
9 h 01 min
